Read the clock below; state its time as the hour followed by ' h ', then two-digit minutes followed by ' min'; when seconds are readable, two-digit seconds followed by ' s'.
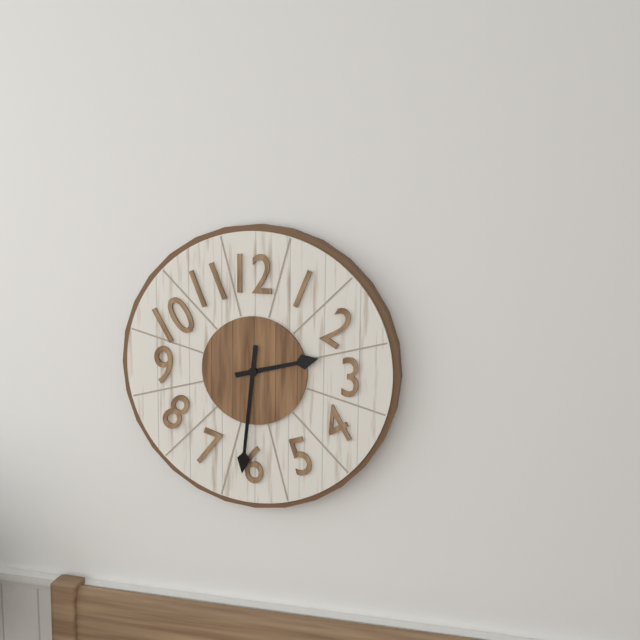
2 h 31 min
